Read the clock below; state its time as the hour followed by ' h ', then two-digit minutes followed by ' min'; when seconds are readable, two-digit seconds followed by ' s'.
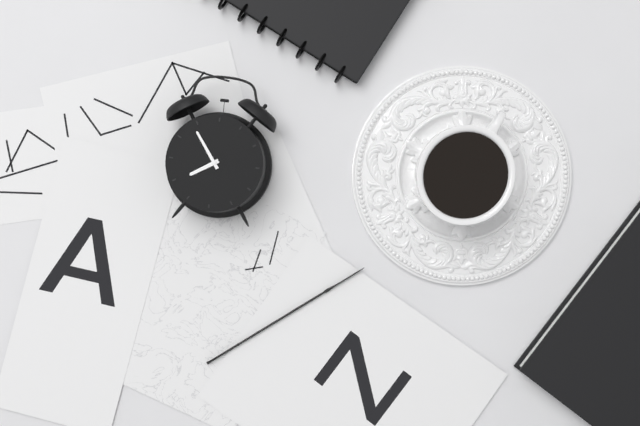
7 h 54 min
